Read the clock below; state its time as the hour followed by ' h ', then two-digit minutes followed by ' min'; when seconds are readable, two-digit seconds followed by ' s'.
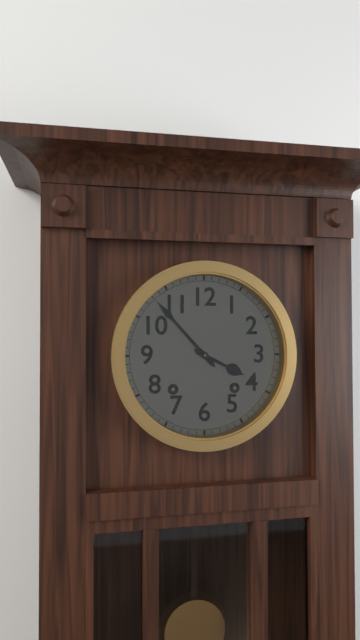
3 h 53 min
